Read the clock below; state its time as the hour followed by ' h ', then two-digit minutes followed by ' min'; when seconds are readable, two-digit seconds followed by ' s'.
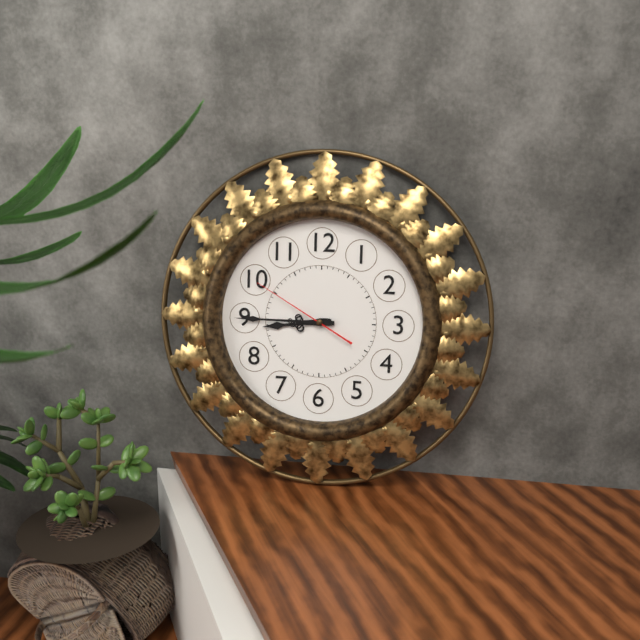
8 h 45 min 50 s
